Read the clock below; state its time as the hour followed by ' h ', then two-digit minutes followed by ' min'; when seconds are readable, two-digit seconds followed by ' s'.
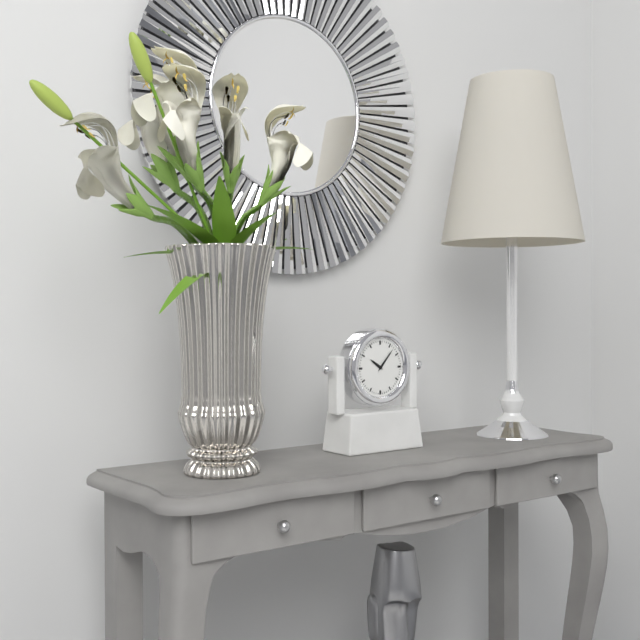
10 h 07 min
